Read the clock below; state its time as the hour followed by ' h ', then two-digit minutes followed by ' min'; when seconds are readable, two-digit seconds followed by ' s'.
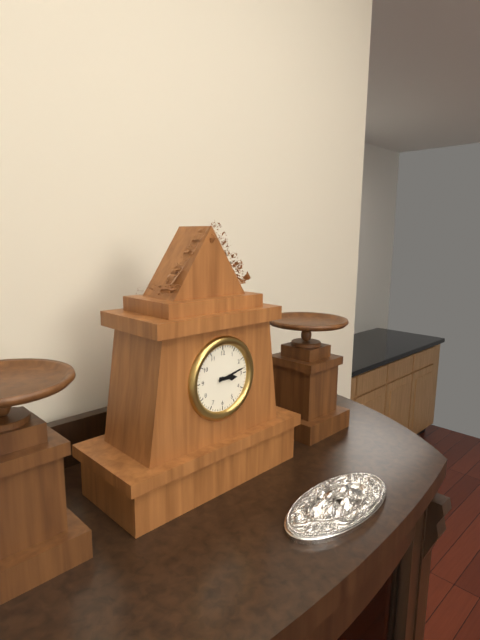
3 h 13 min
